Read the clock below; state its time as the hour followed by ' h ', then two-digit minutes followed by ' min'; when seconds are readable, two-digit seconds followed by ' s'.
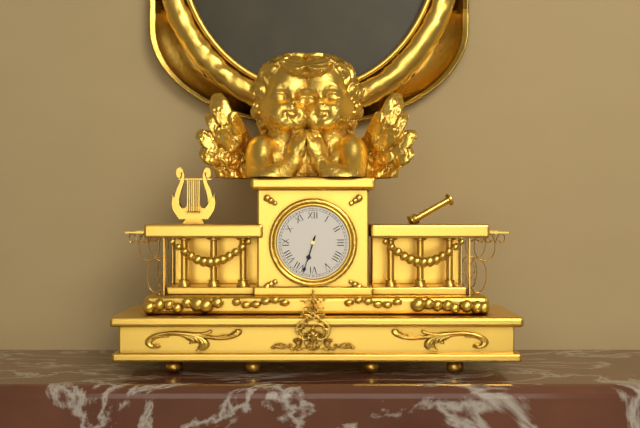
6 h 33 min
